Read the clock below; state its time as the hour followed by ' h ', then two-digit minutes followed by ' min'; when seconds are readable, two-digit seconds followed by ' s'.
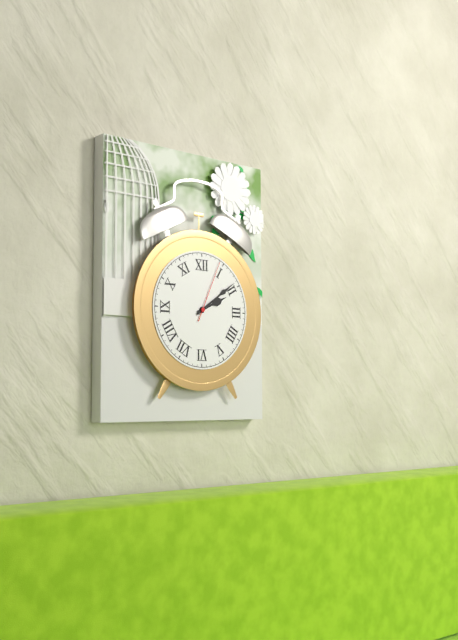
2 h 09 min 04 s
